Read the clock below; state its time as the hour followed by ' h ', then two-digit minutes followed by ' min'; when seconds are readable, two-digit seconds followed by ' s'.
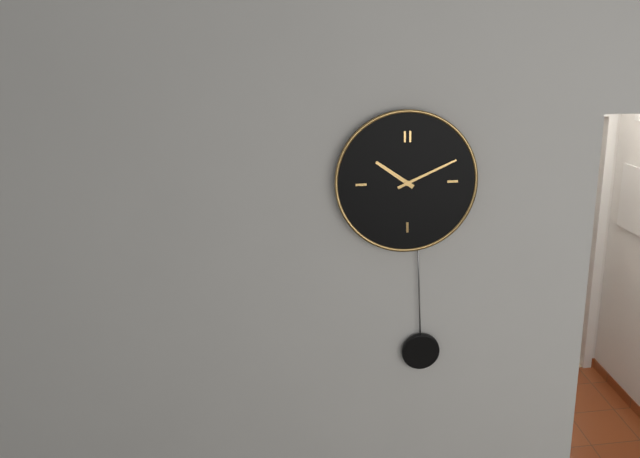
10 h 11 min
